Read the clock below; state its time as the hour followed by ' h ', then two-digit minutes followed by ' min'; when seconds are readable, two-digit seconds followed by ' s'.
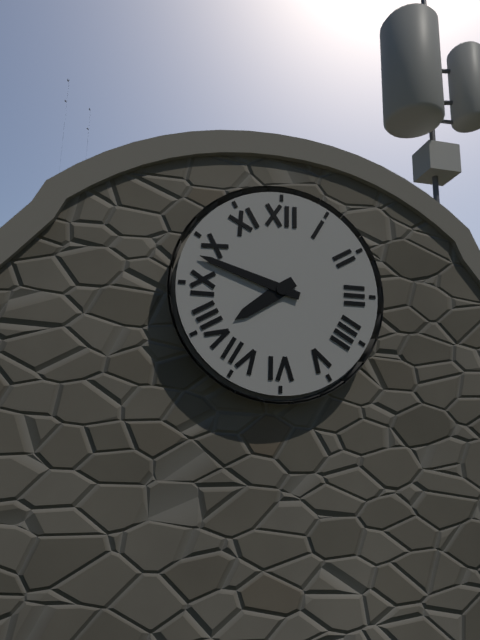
7 h 48 min
